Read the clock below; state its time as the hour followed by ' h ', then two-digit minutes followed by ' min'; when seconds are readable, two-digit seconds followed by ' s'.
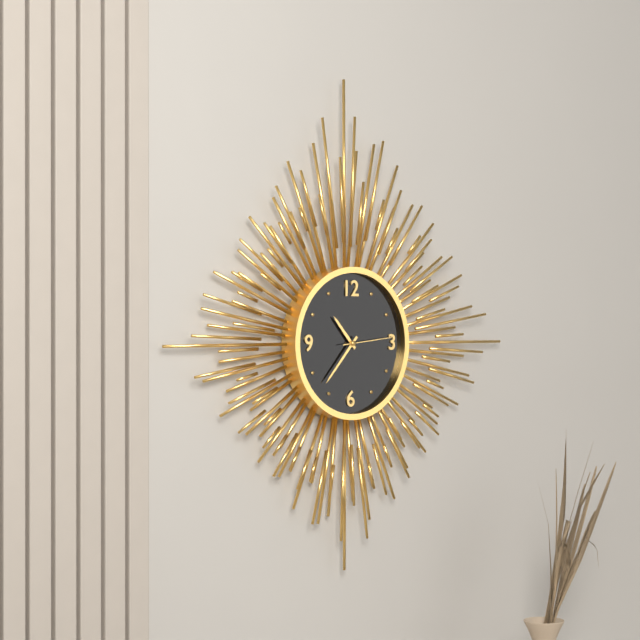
10 h 37 min 14 s
